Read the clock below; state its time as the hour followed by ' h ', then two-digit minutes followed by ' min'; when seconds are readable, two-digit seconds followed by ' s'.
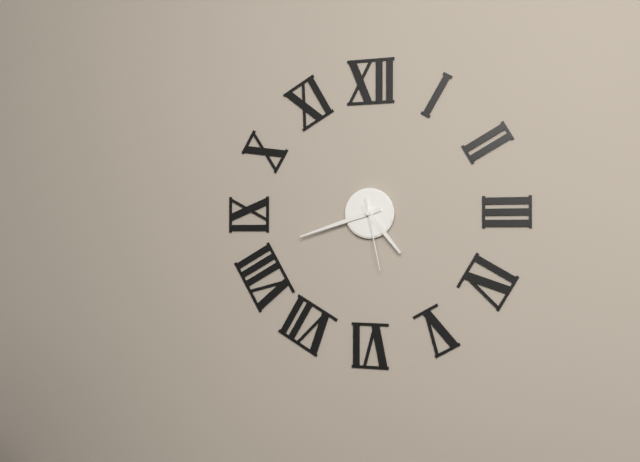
4 h 42 min 28 s
